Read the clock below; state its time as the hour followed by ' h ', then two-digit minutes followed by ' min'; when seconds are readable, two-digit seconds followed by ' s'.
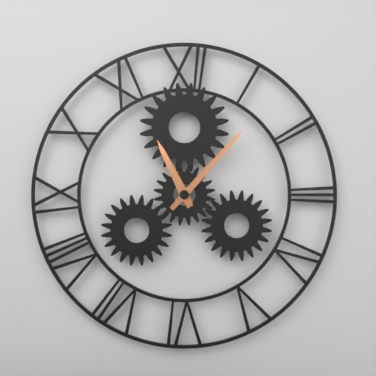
11 h 07 min
